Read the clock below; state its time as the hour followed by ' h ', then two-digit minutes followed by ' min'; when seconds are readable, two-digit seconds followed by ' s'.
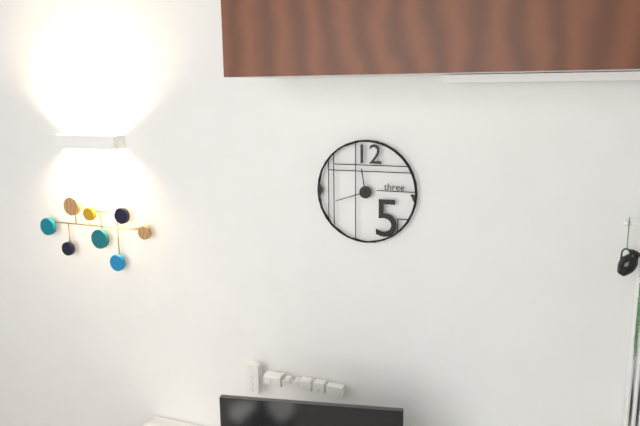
11 h 42 min
